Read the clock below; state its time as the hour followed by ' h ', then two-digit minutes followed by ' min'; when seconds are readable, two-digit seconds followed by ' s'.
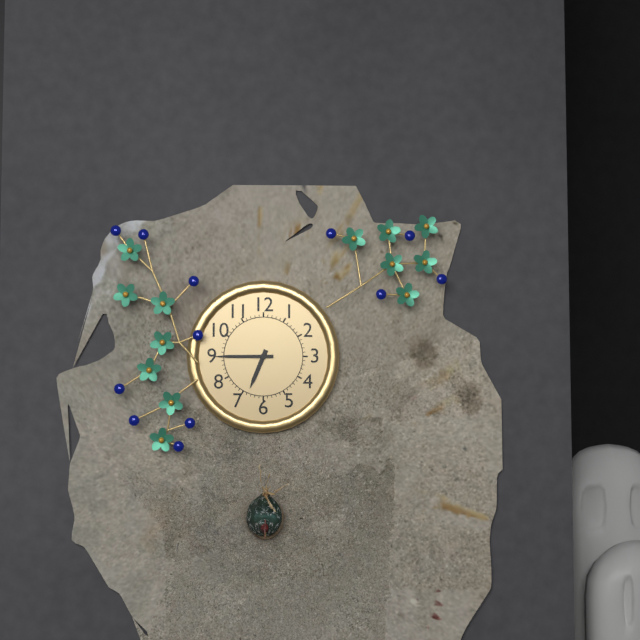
6 h 45 min
